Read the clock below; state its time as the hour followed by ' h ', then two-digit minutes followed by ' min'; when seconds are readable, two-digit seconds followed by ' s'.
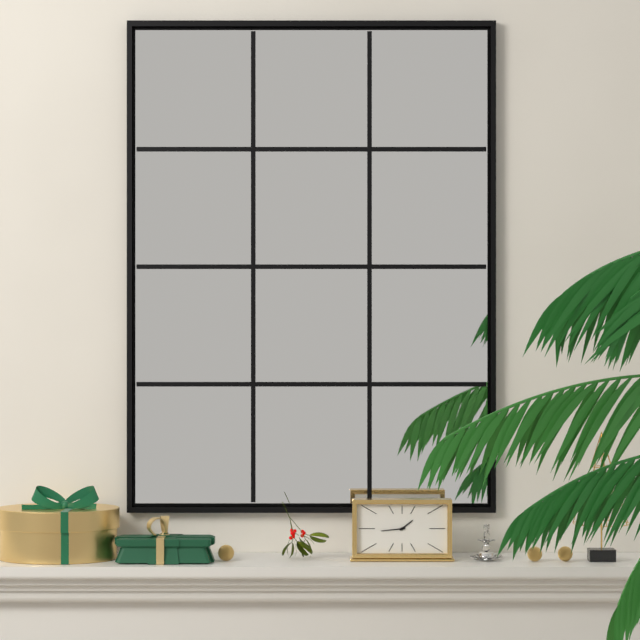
1 h 44 min
